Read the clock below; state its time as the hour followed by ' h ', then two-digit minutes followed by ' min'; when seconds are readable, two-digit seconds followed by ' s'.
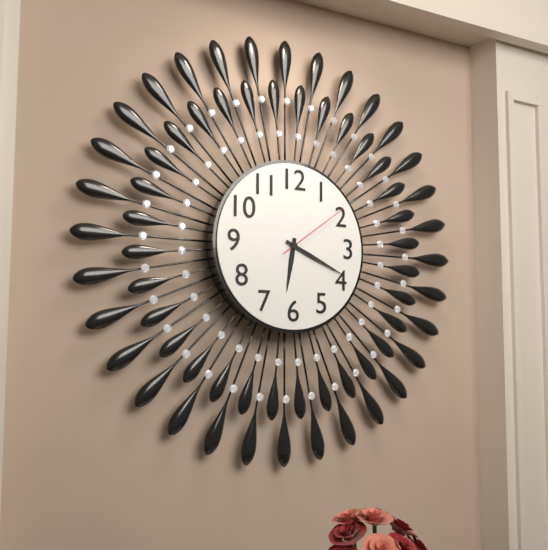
6 h 19 min 09 s
